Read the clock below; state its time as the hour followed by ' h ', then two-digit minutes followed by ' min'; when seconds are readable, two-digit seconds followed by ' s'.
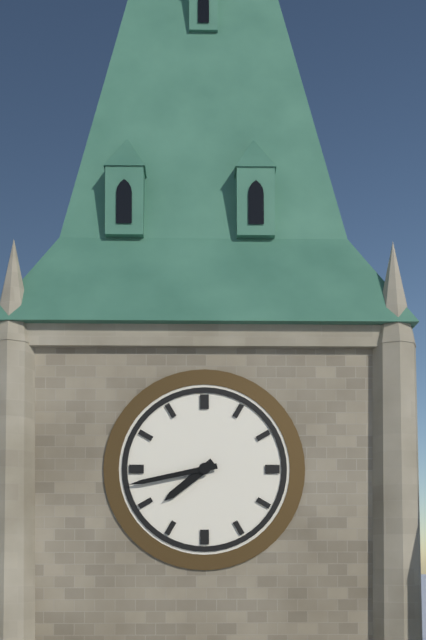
7 h 43 min
